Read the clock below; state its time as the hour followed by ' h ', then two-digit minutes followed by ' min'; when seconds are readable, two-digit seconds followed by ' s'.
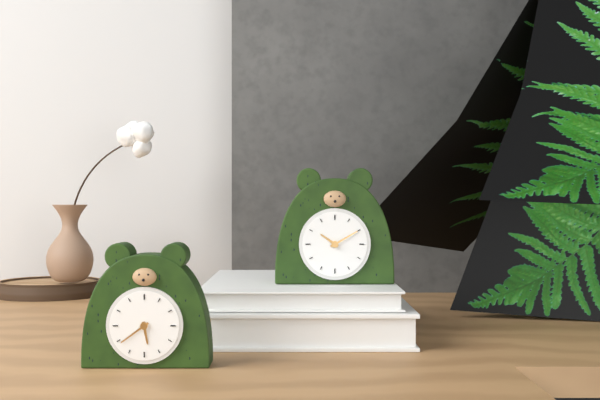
5 h 39 min
